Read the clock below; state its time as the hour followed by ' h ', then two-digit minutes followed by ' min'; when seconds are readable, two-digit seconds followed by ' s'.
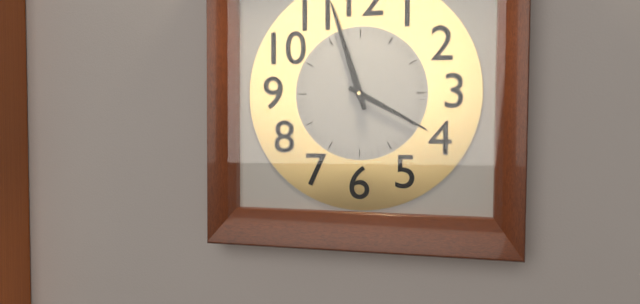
3 h 57 min
